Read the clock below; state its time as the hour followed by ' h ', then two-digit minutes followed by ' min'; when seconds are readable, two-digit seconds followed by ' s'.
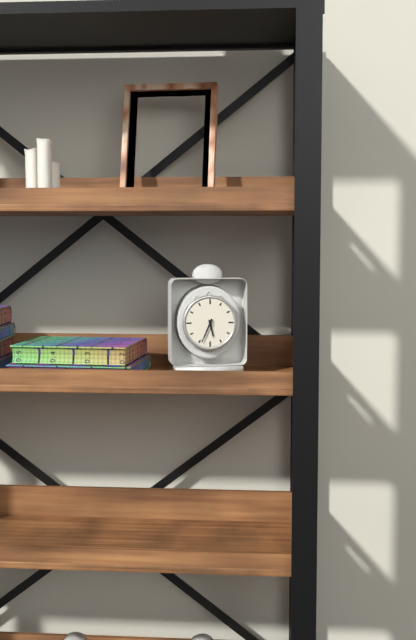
5 h 34 min
